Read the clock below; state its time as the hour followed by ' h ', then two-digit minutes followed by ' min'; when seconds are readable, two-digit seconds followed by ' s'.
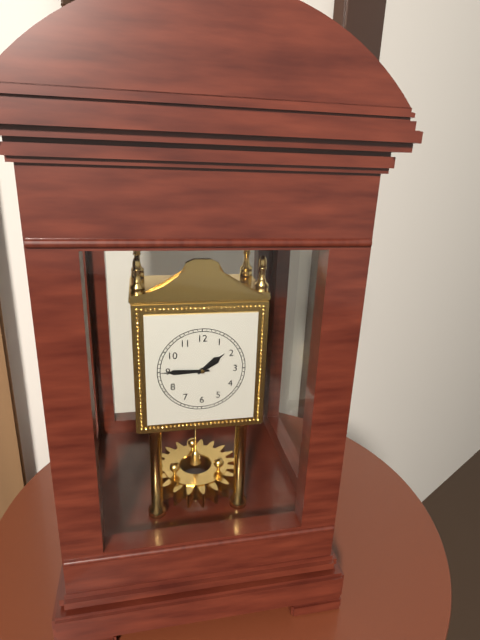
1 h 45 min
